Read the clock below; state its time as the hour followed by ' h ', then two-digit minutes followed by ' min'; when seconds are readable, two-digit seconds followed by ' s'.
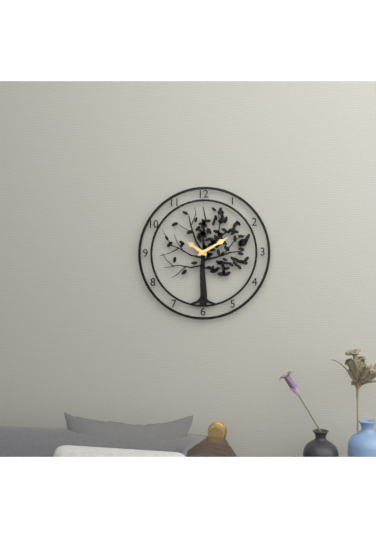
10 h 10 min
